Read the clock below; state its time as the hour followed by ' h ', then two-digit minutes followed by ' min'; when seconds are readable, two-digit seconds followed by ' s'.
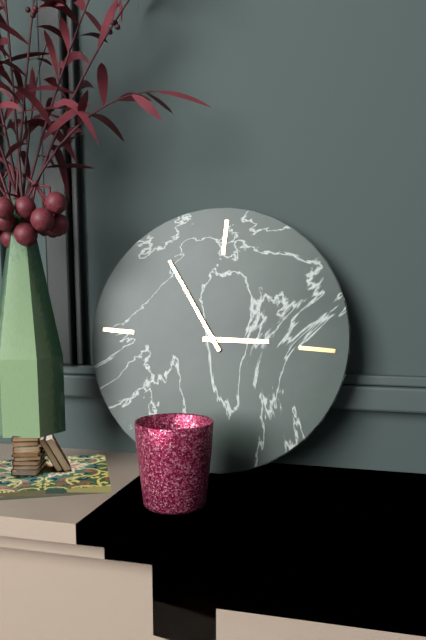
2 h 54 min
